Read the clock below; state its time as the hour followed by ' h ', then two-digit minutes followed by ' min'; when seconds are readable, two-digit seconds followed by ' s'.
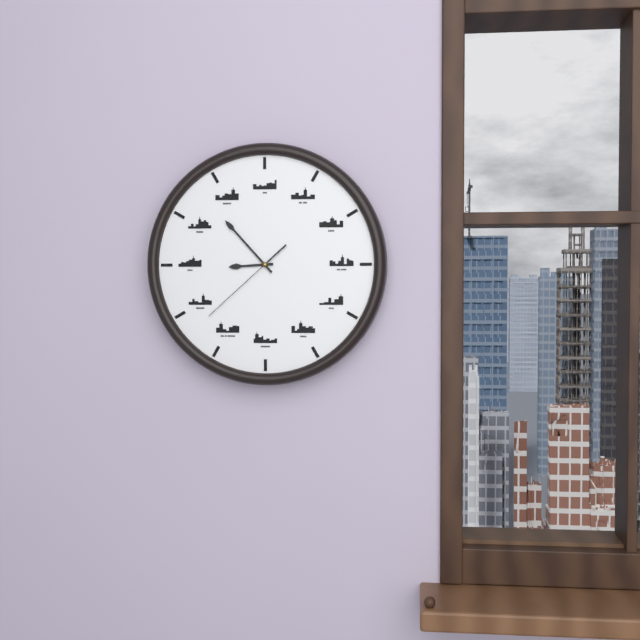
8 h 53 min 38 s
